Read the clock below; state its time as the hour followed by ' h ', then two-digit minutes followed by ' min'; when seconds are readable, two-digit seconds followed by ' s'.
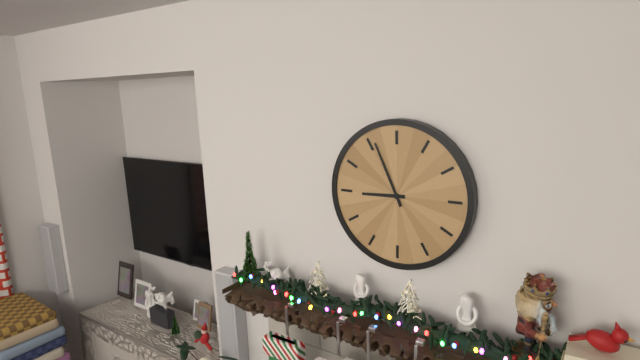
8 h 56 min
